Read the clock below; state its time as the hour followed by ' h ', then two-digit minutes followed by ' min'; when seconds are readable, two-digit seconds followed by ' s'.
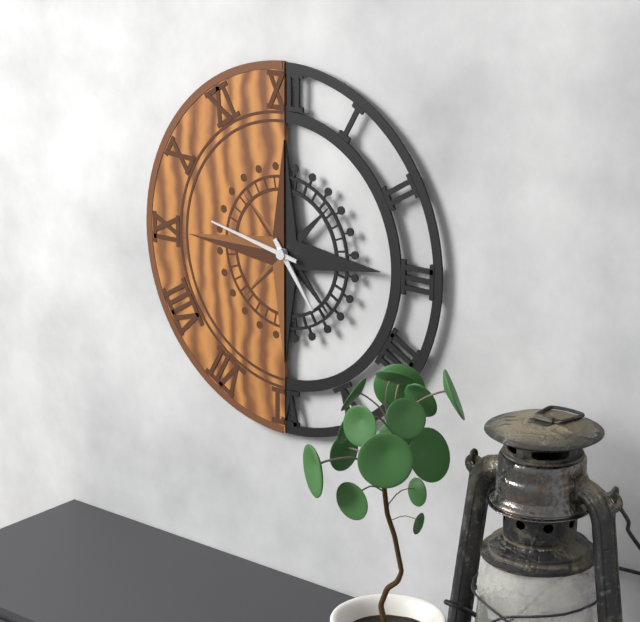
4 h 47 min
